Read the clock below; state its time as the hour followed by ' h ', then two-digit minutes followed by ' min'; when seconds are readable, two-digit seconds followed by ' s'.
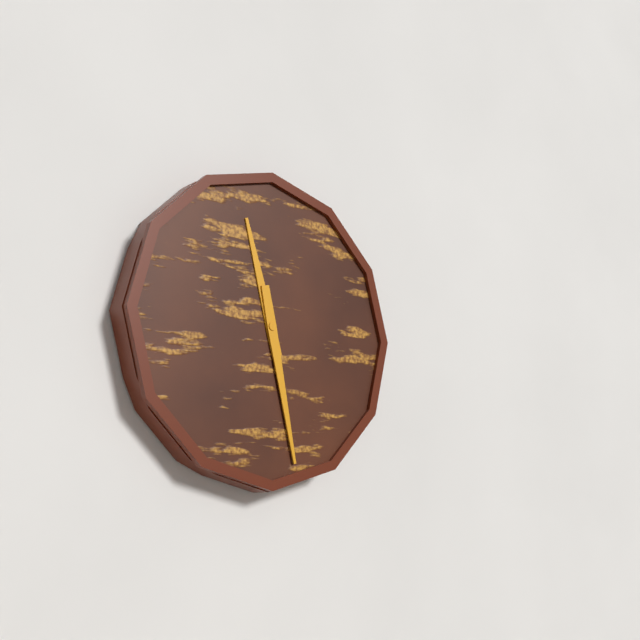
11 h 28 min
